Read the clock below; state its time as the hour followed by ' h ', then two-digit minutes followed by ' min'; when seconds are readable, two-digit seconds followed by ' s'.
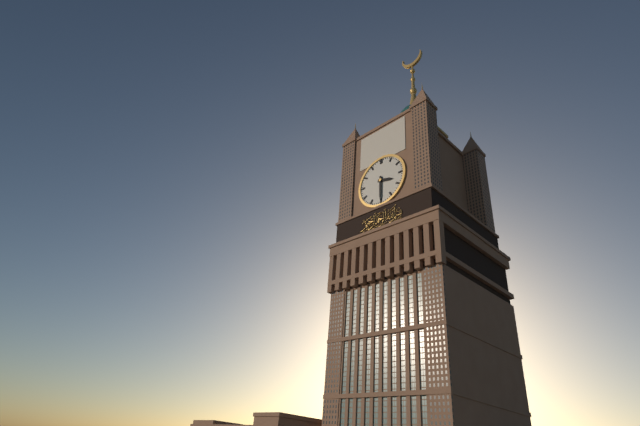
3 h 30 min
